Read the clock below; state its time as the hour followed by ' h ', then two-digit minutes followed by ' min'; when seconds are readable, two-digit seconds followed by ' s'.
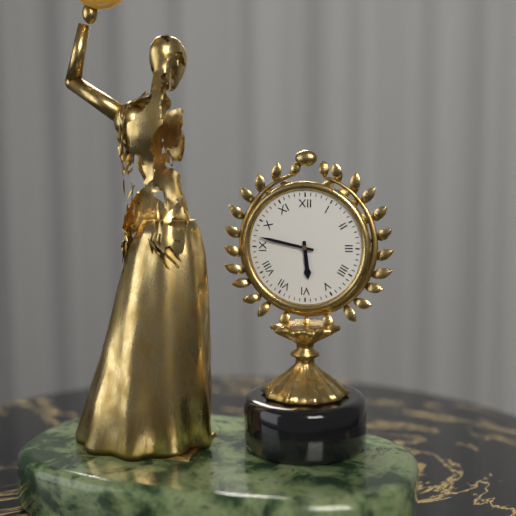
5 h 47 min
